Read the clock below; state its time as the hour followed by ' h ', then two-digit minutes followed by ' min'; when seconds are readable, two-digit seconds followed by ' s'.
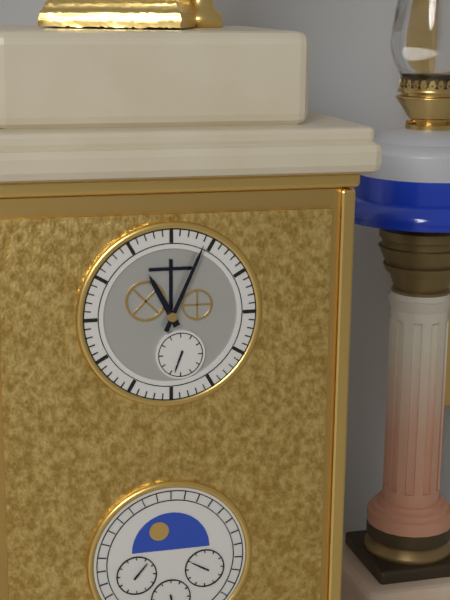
11 h 04 min
